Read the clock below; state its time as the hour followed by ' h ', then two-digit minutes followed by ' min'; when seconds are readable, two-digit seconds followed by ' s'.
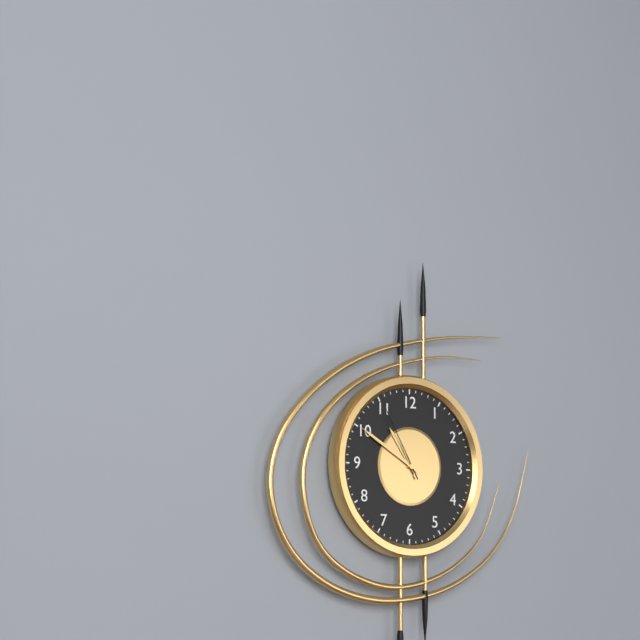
10 h 50 min 55 s
